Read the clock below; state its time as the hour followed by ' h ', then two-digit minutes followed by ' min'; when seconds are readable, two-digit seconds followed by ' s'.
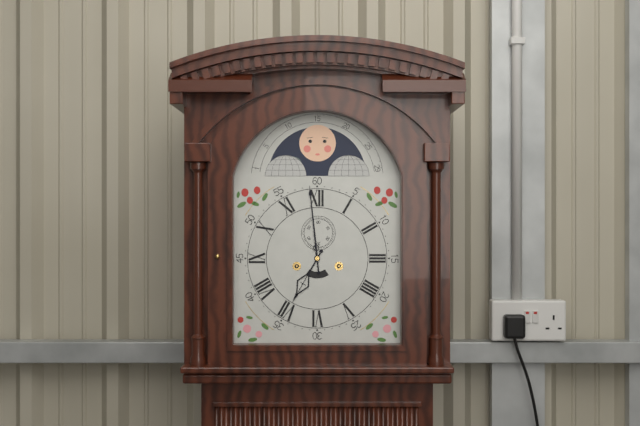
6 h 59 min
